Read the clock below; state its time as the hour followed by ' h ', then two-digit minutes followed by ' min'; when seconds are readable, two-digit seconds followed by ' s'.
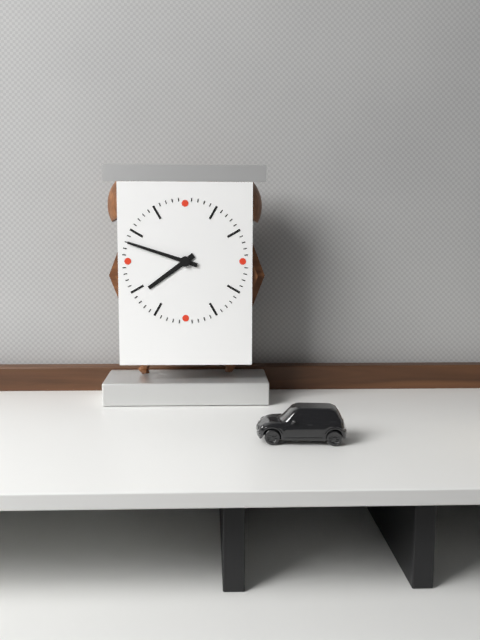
7 h 48 min
